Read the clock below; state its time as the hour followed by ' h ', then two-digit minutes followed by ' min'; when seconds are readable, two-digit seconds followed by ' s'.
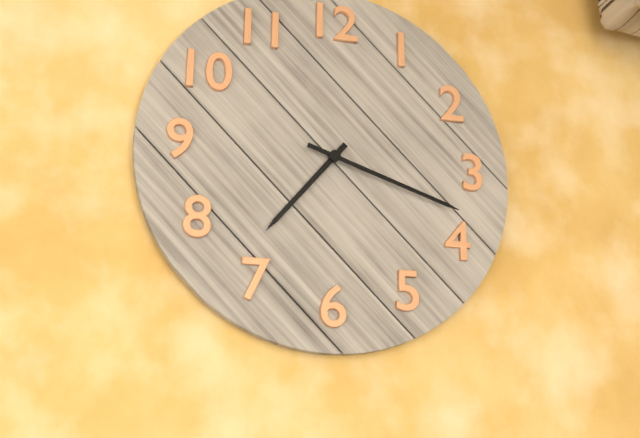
7 h 18 min
